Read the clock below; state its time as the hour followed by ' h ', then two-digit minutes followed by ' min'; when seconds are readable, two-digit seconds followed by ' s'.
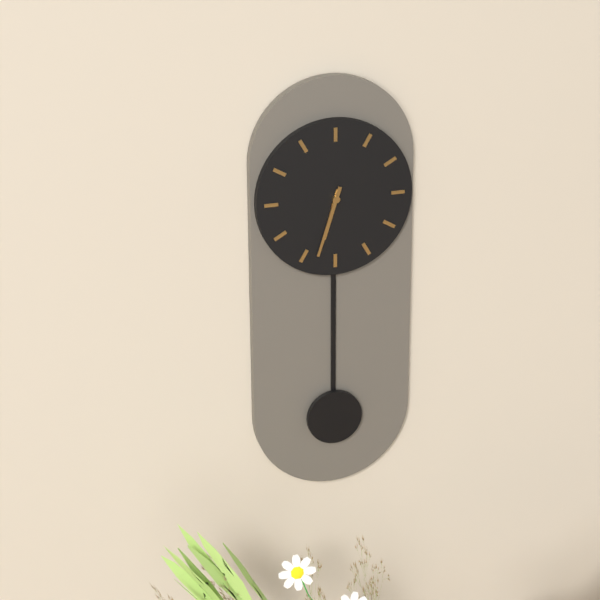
6 h 33 min
